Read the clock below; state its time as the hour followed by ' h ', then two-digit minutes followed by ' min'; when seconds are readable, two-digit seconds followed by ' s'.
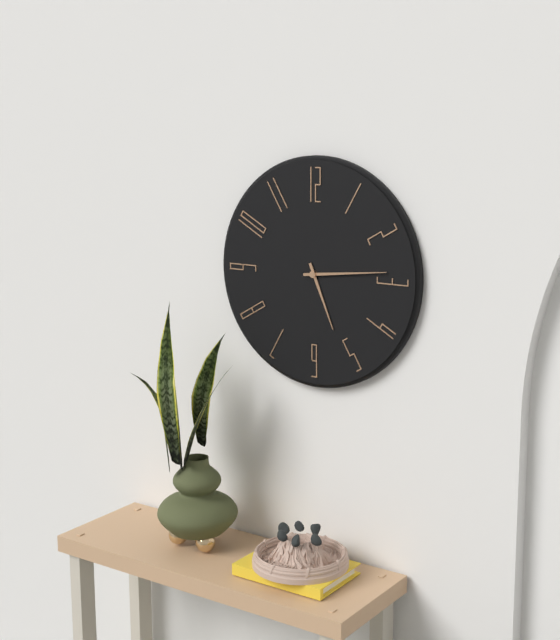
5 h 14 min
